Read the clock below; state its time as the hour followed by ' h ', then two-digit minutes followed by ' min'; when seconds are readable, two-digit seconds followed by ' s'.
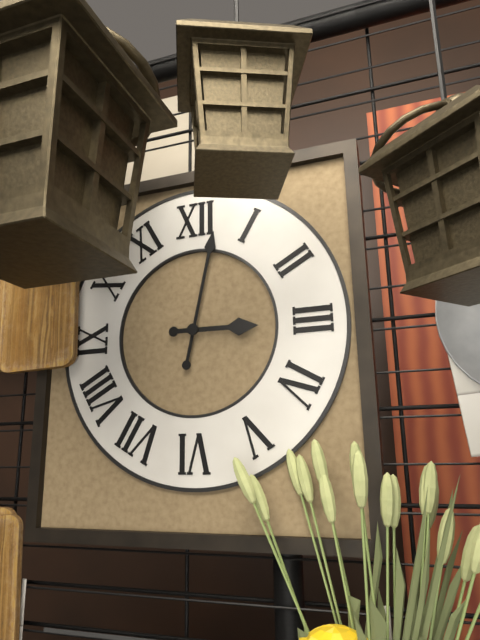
3 h 02 min
